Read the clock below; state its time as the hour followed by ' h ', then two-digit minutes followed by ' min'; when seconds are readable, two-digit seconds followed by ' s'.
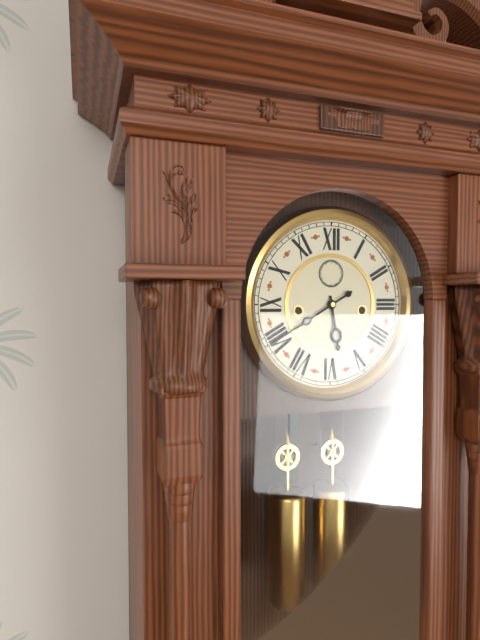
5 h 40 min
